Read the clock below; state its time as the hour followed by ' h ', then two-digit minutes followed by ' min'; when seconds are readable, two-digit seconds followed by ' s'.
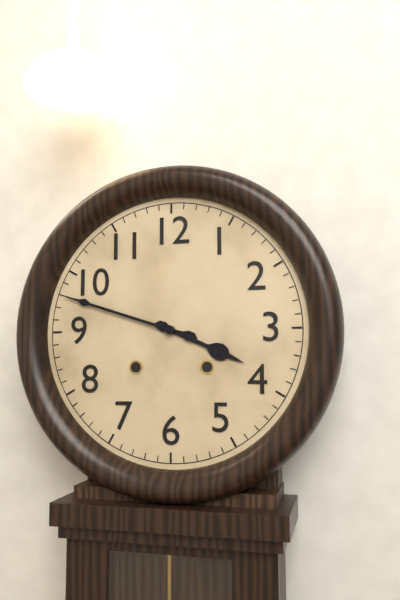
3 h 48 min
